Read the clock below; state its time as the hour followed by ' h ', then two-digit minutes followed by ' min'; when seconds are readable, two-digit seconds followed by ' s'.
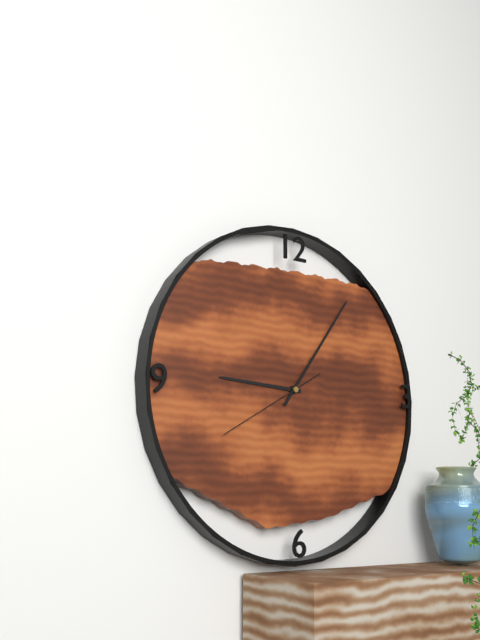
9 h 06 min 40 s
